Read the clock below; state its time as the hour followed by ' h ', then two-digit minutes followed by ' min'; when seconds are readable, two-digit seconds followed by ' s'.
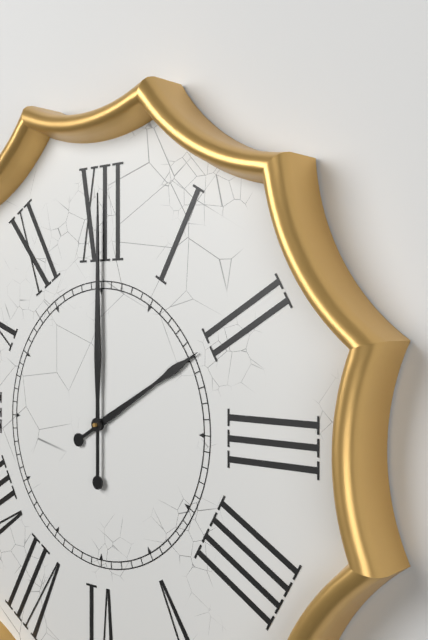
2 h 00 min
